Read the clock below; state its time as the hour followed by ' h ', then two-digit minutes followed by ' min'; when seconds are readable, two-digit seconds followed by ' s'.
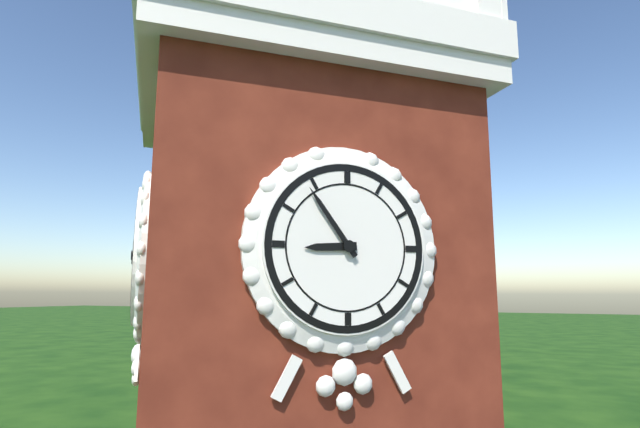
8 h 54 min
